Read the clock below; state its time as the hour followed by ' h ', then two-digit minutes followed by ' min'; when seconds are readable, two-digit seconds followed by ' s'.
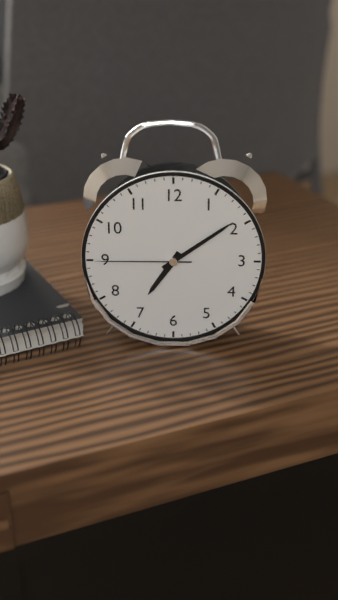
7 h 09 min 45 s
